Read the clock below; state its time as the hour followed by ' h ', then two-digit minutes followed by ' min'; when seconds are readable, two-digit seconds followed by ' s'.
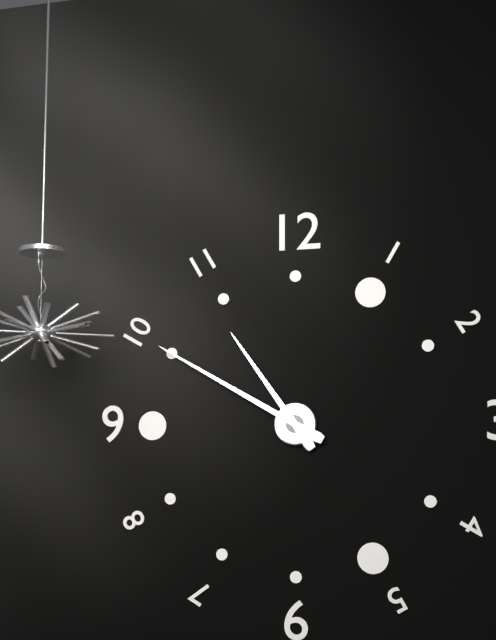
10 h 50 min
